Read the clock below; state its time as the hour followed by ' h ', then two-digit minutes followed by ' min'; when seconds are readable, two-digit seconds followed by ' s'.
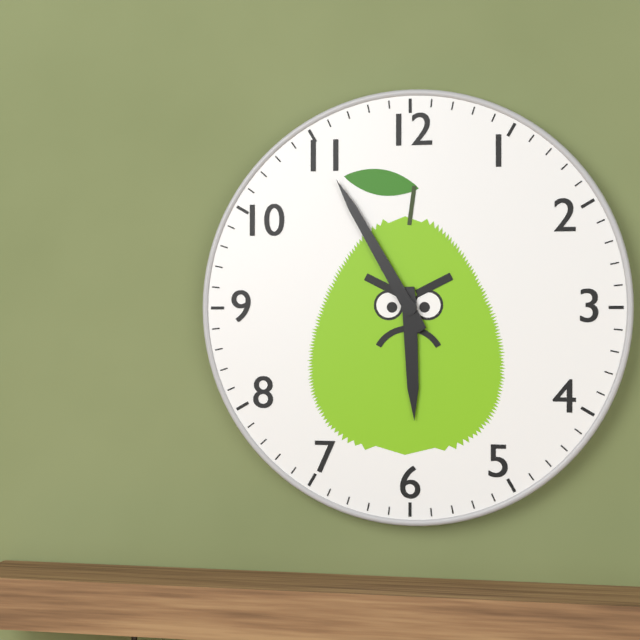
5 h 55 min
